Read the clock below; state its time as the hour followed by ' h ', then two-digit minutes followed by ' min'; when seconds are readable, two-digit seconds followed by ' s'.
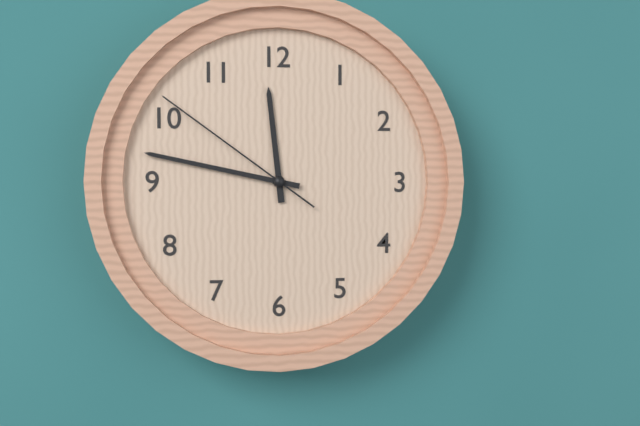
11 h 47 min 51 s
